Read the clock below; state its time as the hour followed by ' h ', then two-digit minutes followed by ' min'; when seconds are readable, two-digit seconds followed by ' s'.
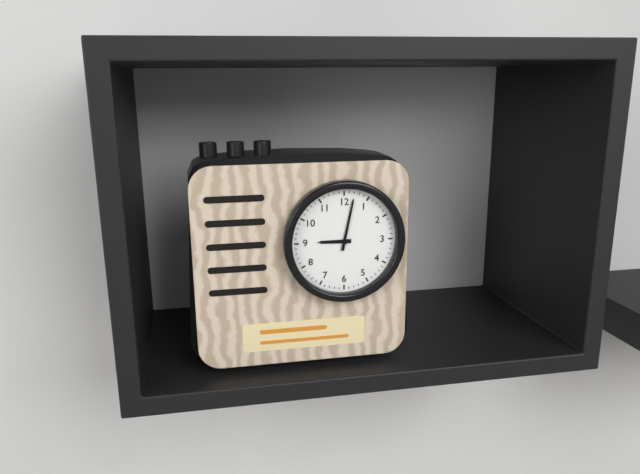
9 h 02 min
